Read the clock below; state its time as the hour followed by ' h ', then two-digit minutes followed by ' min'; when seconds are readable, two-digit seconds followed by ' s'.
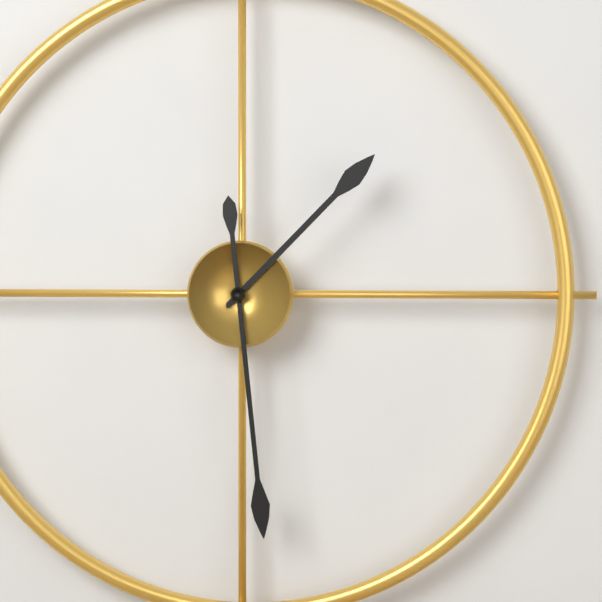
1 h 29 min
